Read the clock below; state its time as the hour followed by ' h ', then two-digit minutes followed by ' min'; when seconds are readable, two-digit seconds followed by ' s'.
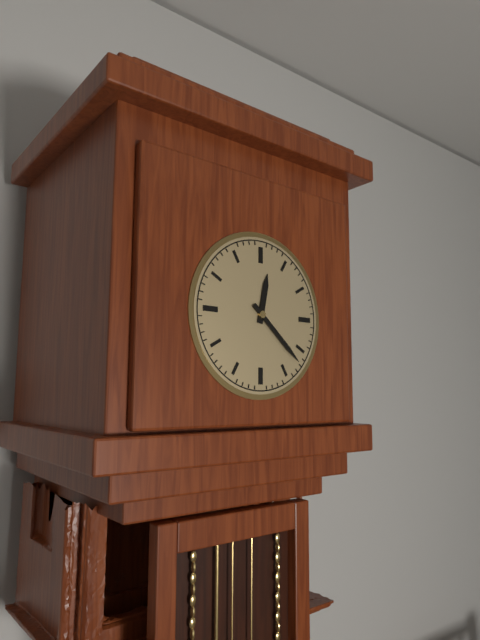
12 h 22 min
